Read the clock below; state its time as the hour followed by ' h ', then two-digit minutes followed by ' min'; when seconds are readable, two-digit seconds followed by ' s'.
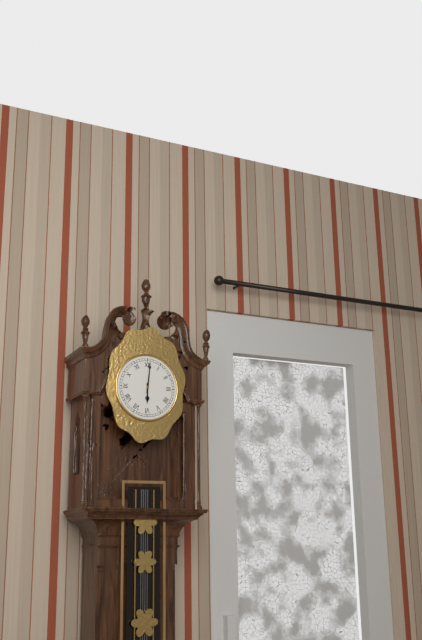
6 h 01 min
